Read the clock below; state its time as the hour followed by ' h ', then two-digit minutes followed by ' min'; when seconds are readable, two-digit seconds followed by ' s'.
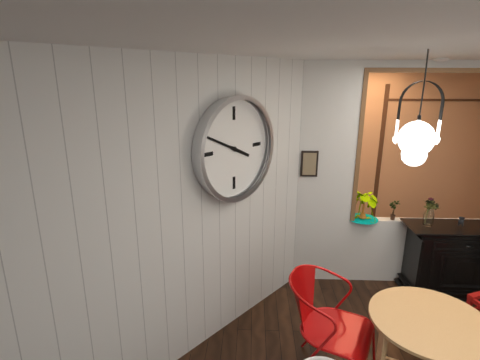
3 h 49 min
